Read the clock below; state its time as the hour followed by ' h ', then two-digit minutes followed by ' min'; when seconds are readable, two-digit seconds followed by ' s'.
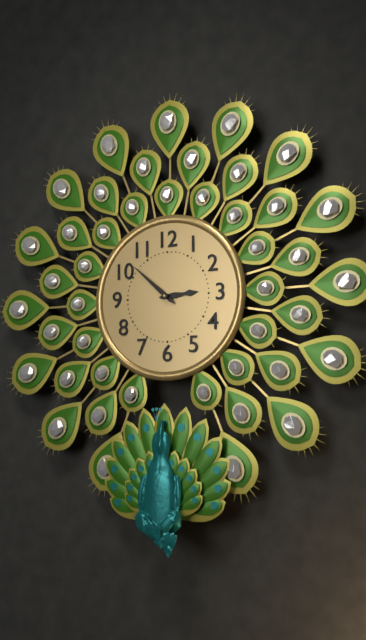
2 h 52 min
